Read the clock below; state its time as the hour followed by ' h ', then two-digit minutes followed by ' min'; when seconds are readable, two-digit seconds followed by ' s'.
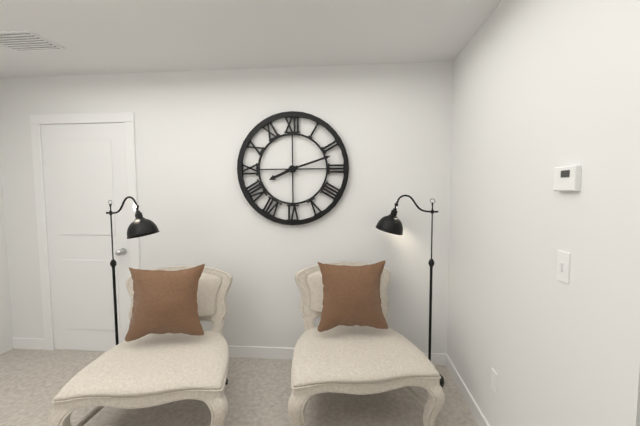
8 h 12 min
